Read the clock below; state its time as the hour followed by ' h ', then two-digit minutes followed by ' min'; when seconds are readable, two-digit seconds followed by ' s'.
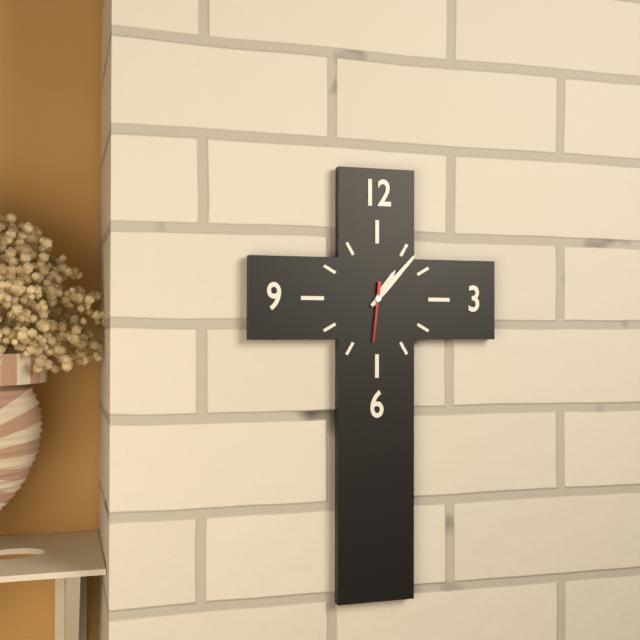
1 h 07 min 31 s
